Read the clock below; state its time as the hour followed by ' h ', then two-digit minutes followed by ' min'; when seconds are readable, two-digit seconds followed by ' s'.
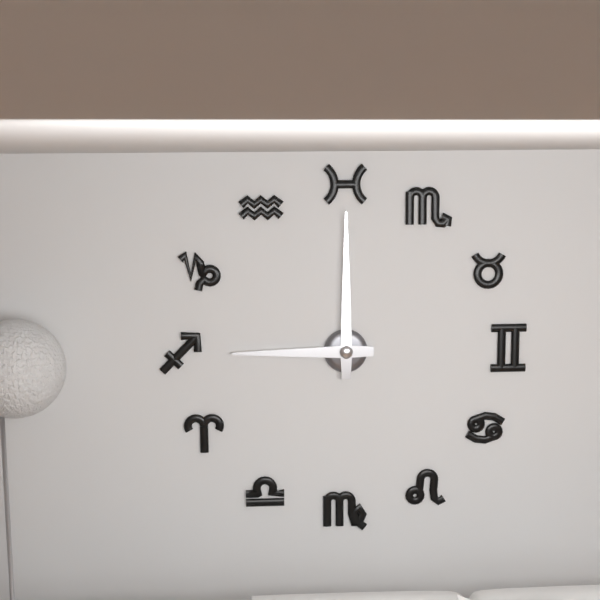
9 h 00 min
